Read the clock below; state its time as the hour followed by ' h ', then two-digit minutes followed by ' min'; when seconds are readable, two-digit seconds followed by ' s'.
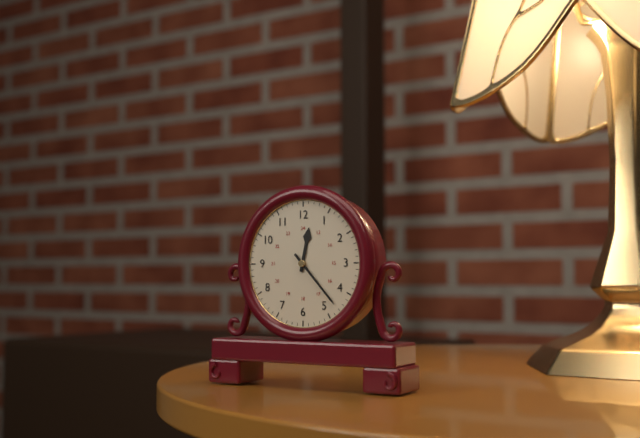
12 h 23 min
